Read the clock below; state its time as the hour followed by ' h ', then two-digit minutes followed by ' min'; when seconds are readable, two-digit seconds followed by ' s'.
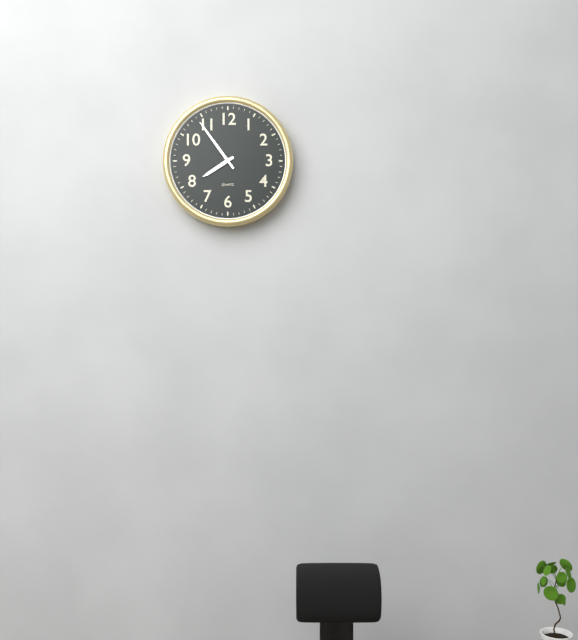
7 h 54 min
